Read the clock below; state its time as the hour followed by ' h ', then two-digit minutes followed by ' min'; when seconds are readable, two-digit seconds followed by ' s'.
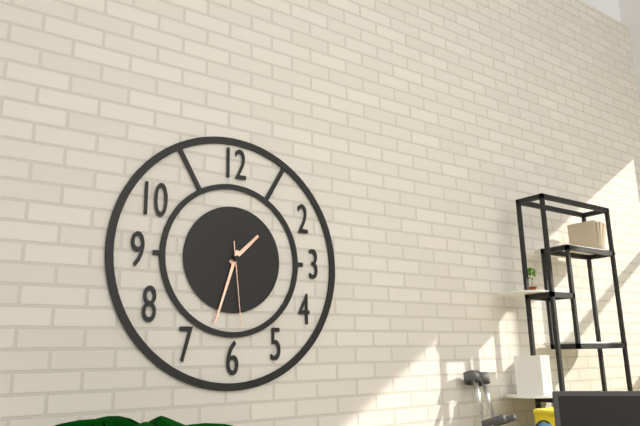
1 h 33 min 29 s
